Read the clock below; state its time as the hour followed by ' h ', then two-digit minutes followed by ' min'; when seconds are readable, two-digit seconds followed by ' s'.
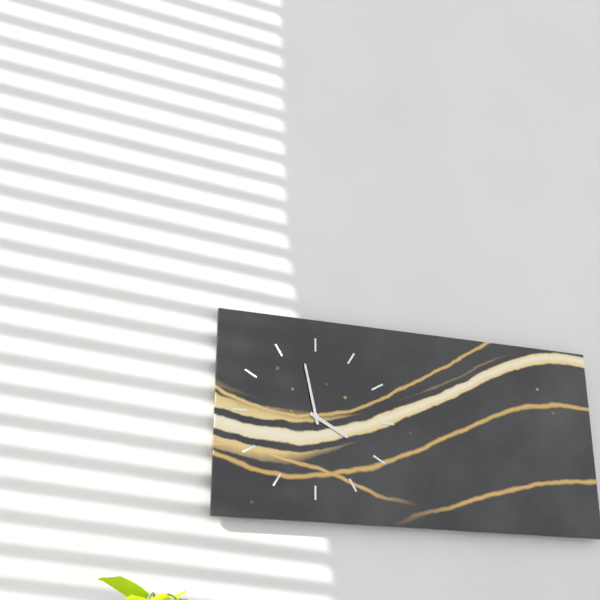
3 h 58 min
